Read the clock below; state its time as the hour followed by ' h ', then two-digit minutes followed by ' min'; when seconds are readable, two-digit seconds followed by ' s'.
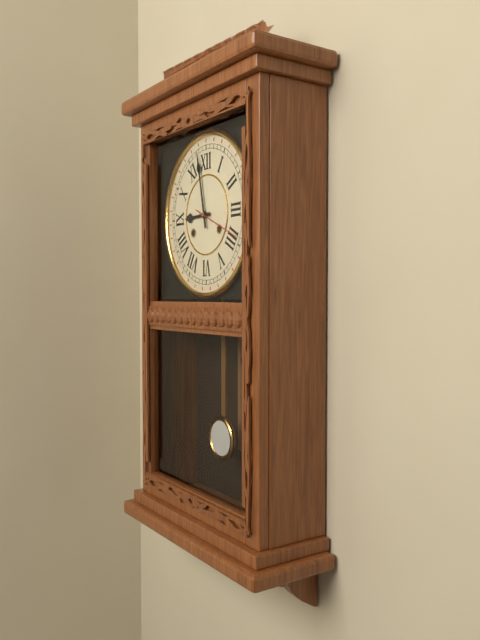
8 h 58 min
